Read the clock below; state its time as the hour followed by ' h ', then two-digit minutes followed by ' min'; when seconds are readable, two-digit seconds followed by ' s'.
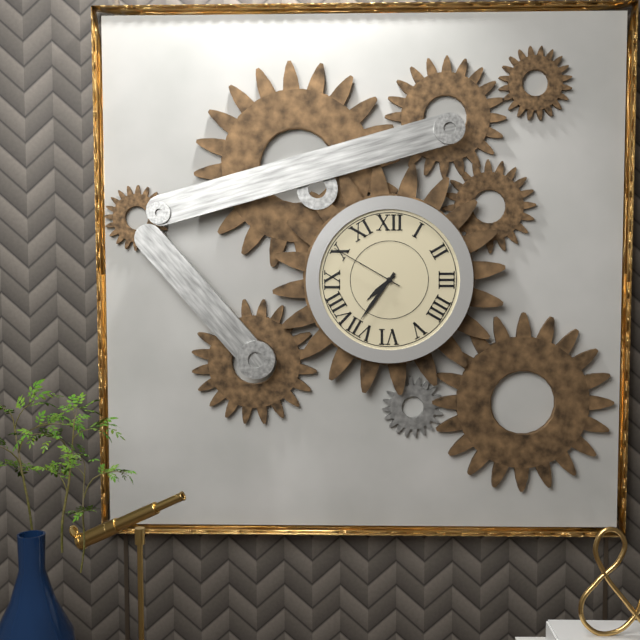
7 h 36 min 50 s
